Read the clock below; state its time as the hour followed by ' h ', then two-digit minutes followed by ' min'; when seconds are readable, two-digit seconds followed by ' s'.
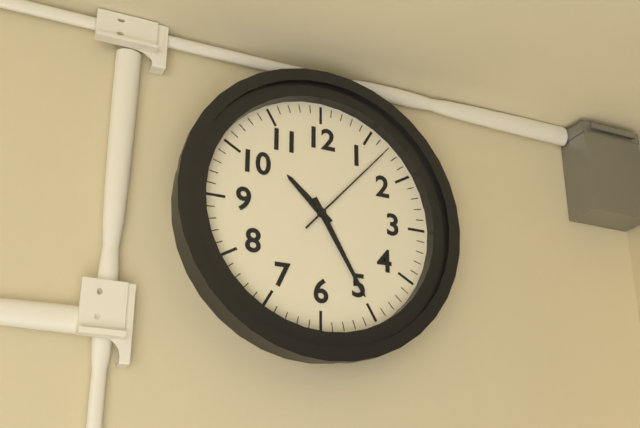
10 h 25 min 07 s
